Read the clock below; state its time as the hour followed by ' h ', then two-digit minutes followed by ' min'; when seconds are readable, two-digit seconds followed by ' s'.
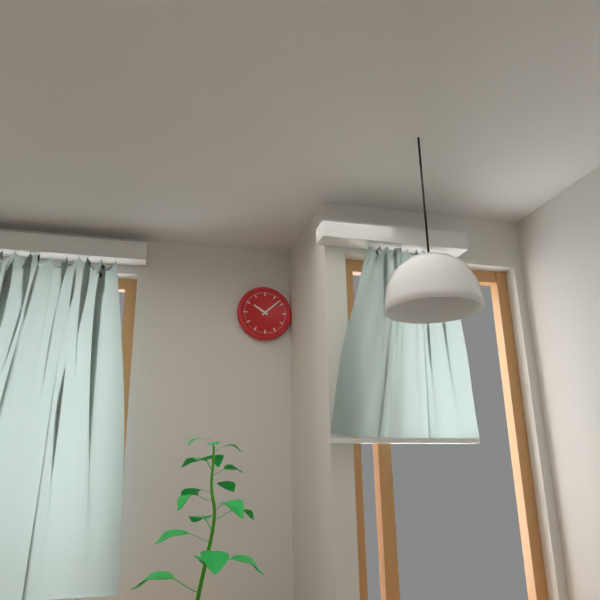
10 h 08 min
